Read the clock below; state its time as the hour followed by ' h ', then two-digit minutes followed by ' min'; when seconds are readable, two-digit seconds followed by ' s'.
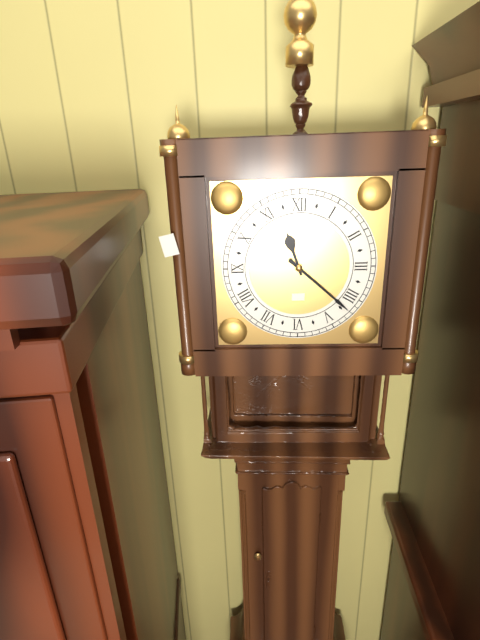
11 h 22 min
